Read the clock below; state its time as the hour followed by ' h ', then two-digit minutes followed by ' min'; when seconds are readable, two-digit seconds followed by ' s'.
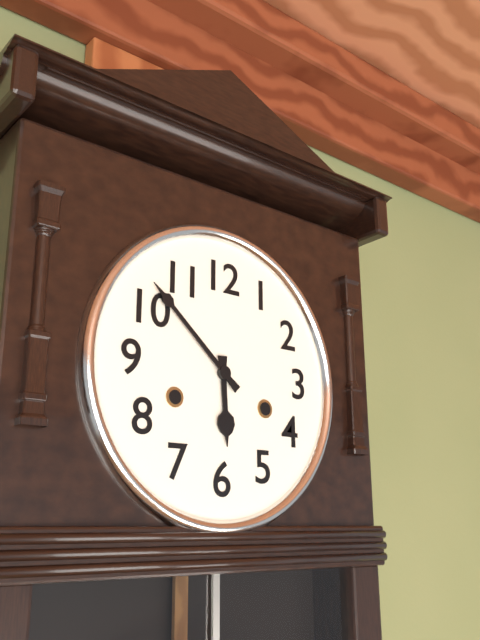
5 h 52 min
